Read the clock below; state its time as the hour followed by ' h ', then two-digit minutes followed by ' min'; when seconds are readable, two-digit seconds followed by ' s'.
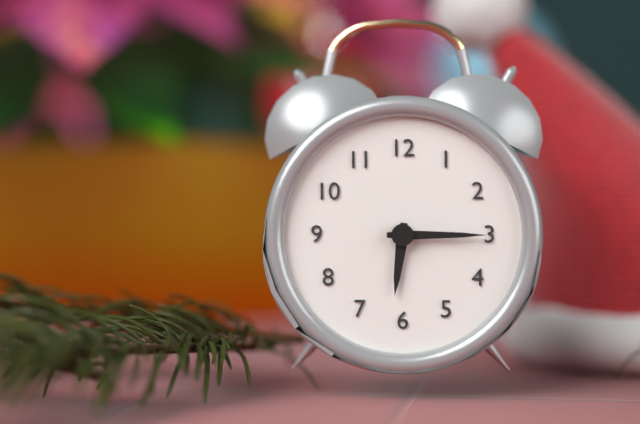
6 h 15 min
